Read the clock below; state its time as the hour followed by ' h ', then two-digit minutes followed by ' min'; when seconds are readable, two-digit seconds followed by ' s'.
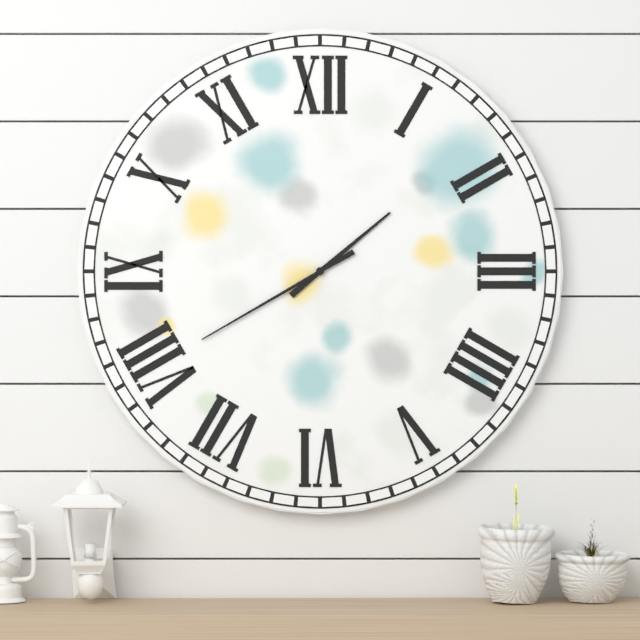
1 h 40 min
